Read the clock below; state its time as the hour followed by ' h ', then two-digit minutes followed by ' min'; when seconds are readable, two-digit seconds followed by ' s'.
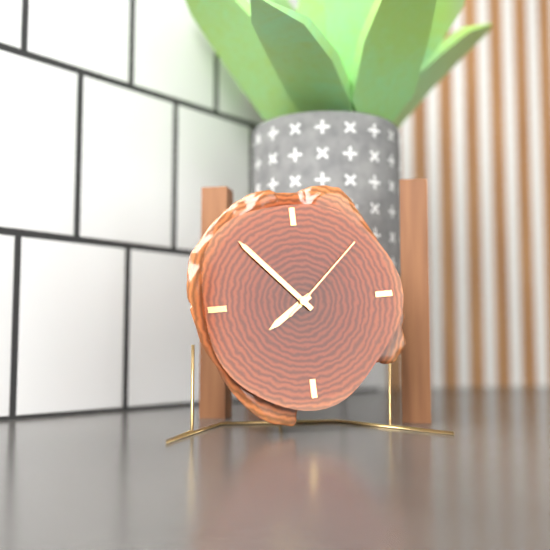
7 h 53 min 08 s
